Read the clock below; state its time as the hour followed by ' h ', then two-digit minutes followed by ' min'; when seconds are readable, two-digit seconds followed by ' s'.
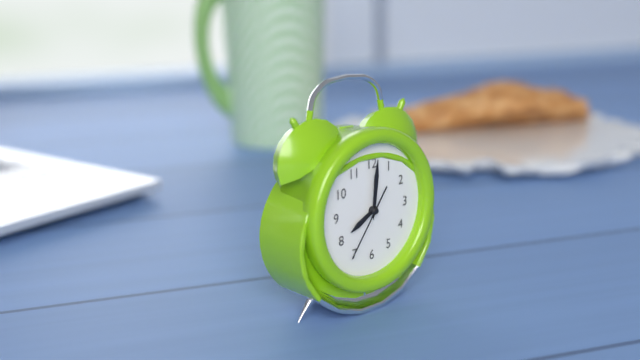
8 h 01 min 36 s
